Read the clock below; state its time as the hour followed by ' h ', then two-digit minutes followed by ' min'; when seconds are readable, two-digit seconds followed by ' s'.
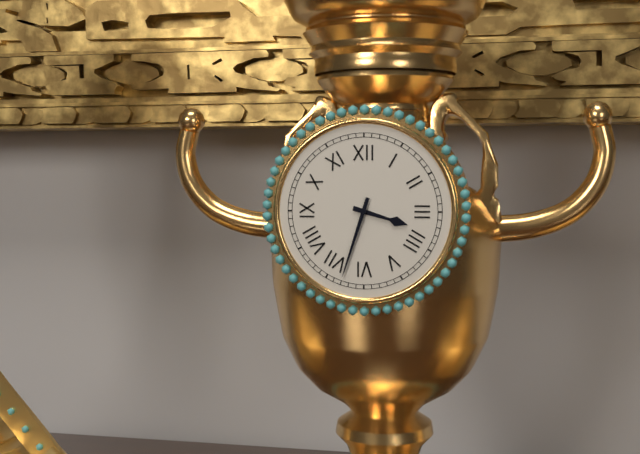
3 h 33 min
